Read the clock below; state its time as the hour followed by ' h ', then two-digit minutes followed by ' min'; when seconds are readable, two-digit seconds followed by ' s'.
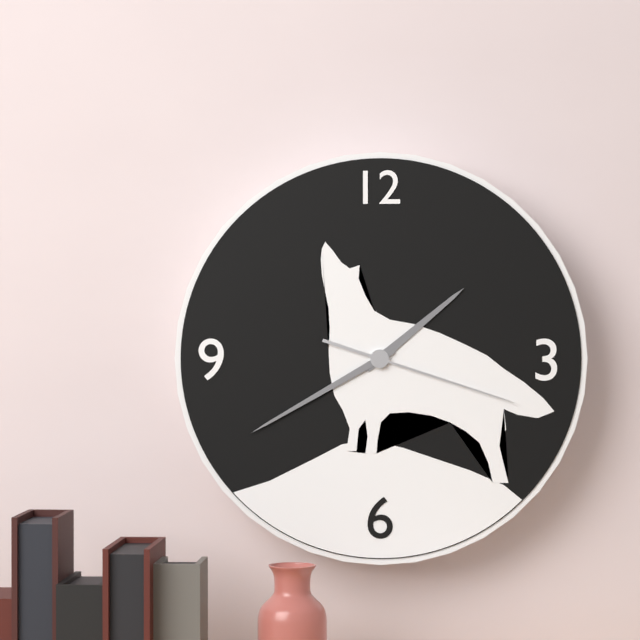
1 h 40 min 18 s
